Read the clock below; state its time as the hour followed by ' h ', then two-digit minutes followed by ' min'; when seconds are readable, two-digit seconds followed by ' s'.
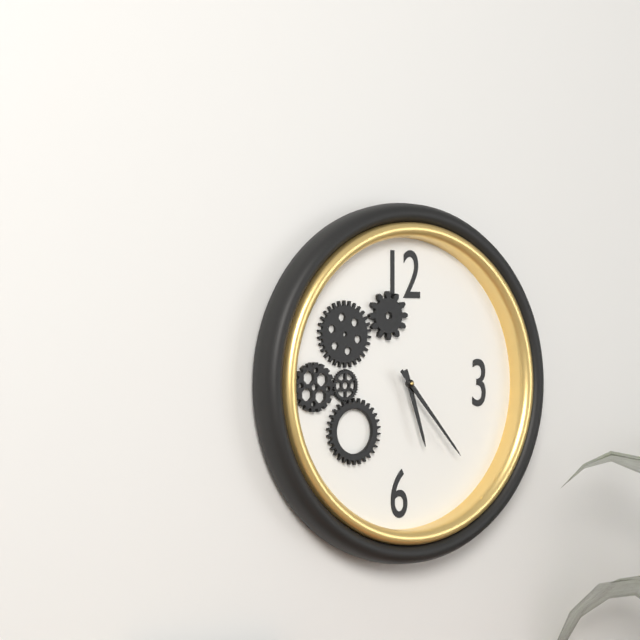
5 h 23 min
